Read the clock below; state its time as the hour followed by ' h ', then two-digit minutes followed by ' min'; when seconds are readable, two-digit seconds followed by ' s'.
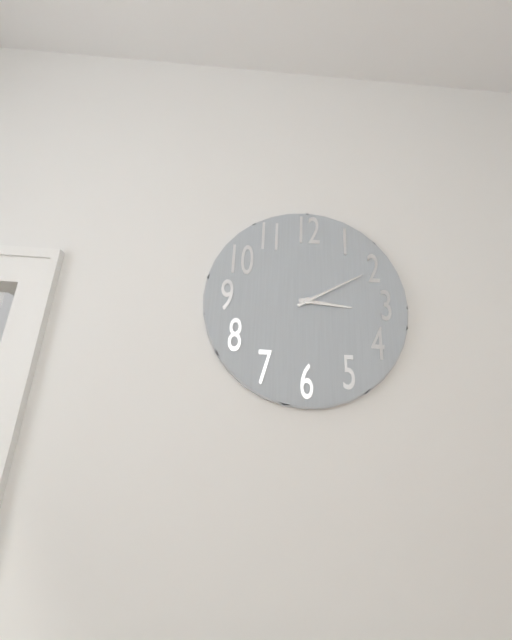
3 h 10 min
